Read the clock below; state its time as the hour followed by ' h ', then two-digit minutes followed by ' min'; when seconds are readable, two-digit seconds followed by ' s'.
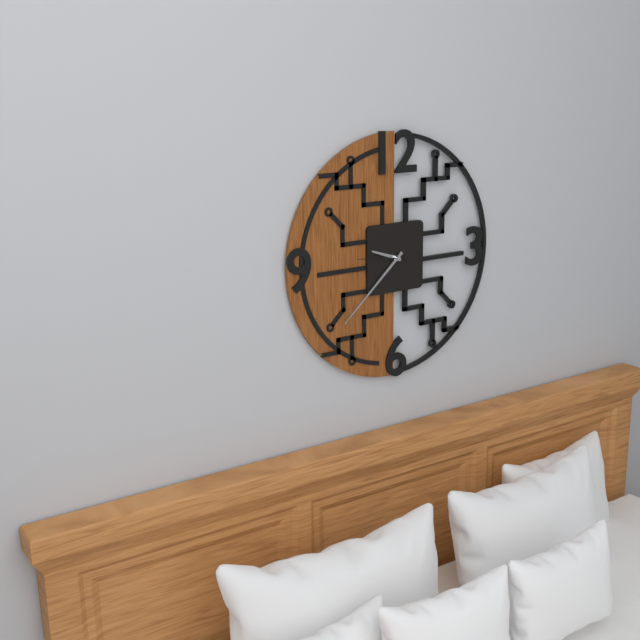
9 h 38 min 46 s
